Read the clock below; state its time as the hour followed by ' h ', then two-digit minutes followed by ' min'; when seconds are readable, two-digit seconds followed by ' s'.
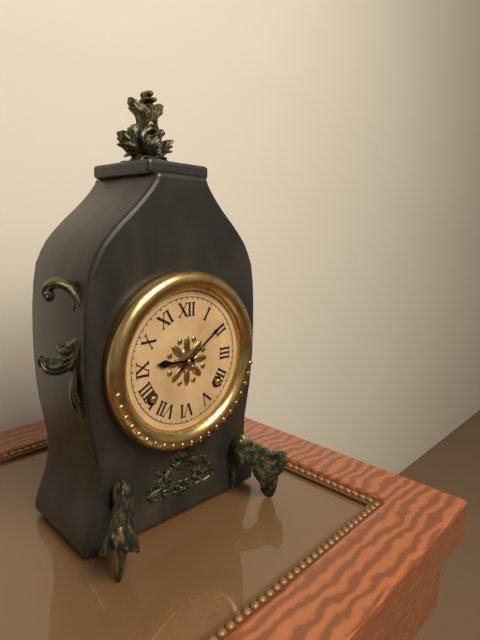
9 h 09 min
